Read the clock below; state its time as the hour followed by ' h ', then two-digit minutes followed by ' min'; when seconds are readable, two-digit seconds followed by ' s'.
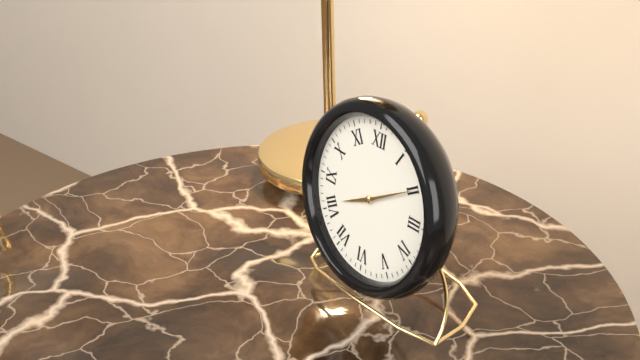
8 h 10 min
